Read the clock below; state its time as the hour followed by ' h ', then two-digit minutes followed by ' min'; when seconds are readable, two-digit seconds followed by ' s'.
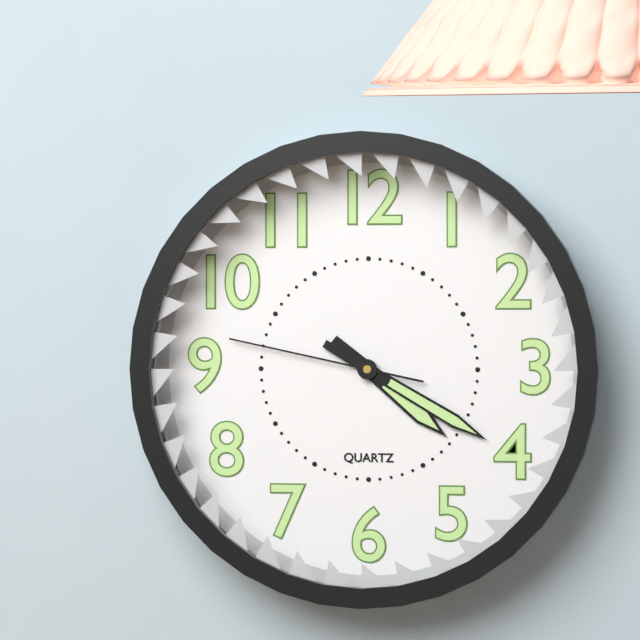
4 h 20 min 47 s
